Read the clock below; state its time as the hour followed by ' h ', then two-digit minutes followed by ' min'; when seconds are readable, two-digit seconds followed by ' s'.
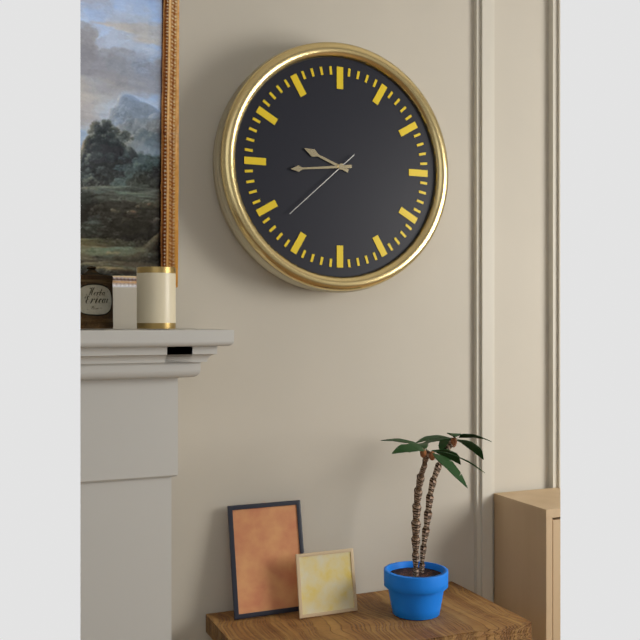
9 h 44 min 38 s
